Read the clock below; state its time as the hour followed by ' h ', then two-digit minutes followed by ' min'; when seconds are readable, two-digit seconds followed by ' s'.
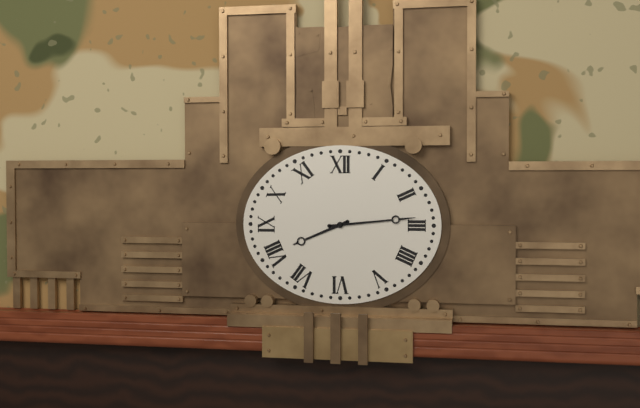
8 h 14 min
